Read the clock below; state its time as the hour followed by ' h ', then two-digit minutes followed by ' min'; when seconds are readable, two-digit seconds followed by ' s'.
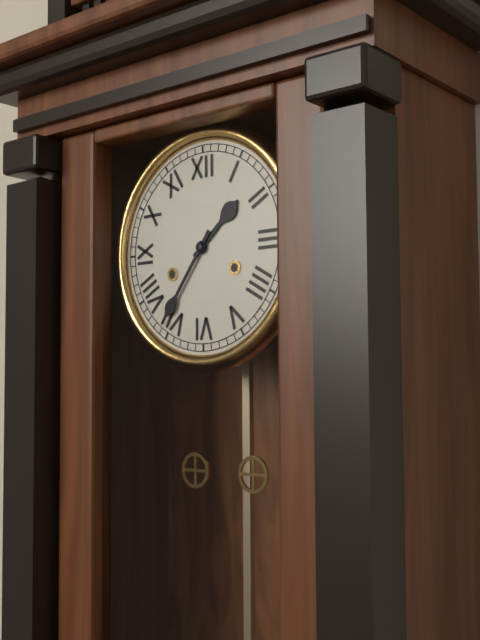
1 h 36 min
